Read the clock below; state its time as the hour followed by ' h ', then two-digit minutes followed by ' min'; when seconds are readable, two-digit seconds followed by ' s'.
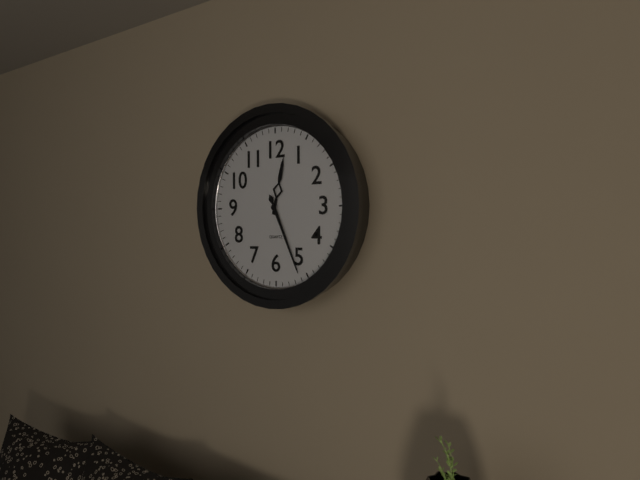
12 h 26 min
